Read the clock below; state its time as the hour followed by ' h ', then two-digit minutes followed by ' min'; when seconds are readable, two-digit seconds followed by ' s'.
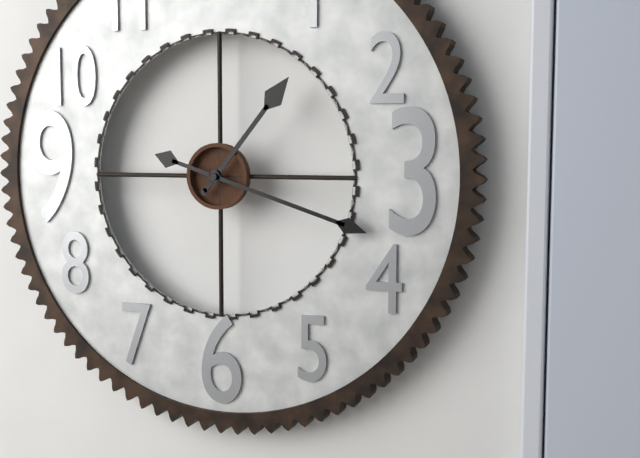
1 h 18 min
